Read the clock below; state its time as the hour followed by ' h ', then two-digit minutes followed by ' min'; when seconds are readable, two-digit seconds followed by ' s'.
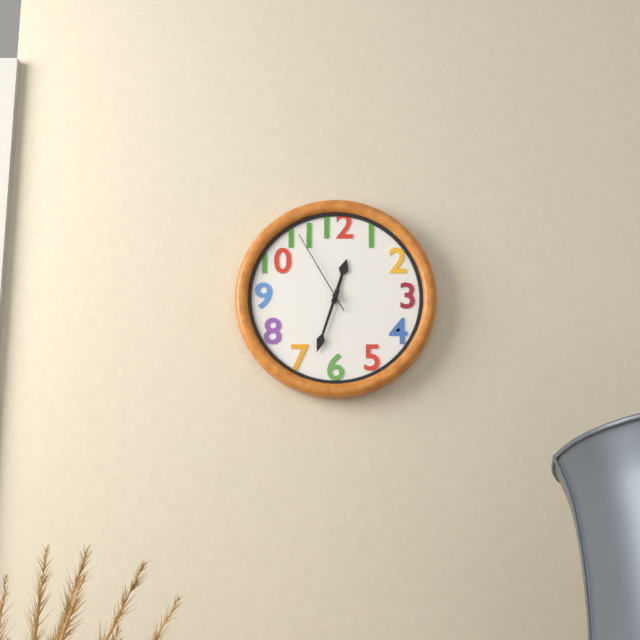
12 h 33 min 55 s
